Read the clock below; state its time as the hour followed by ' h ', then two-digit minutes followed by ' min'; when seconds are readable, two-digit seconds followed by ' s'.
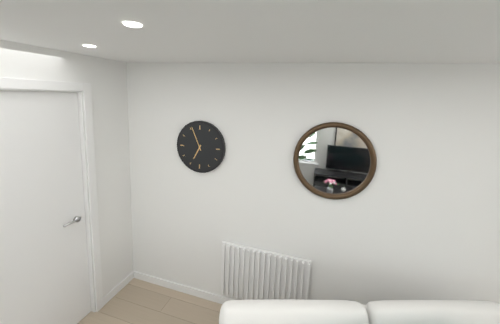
6 h 56 min
